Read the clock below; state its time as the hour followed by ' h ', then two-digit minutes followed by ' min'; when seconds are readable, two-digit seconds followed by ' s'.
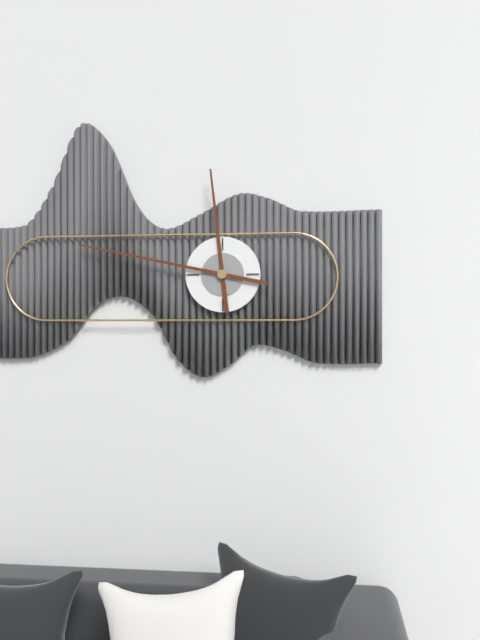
11 h 47 min
